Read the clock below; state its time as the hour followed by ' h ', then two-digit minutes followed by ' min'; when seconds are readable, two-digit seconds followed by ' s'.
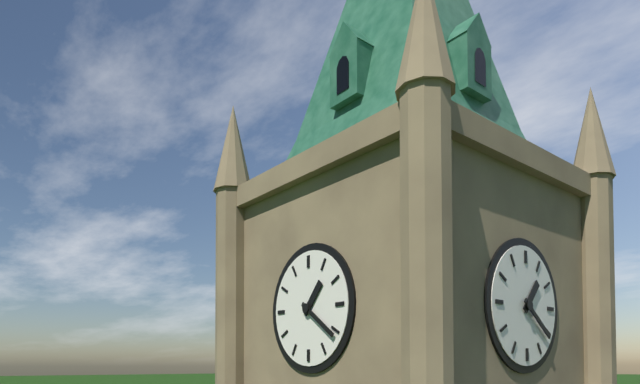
1 h 21 min
